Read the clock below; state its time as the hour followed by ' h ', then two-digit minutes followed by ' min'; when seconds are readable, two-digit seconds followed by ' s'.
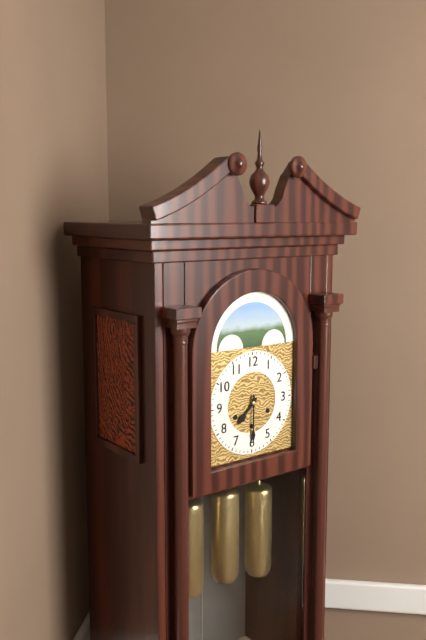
7 h 30 min
